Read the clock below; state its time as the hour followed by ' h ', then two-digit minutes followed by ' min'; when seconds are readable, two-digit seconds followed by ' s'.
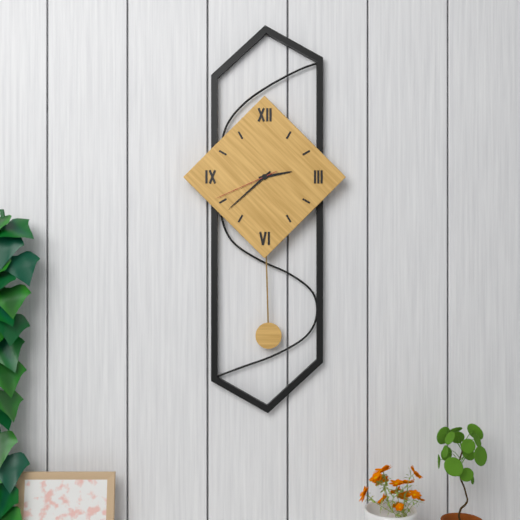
2 h 38 min 41 s
